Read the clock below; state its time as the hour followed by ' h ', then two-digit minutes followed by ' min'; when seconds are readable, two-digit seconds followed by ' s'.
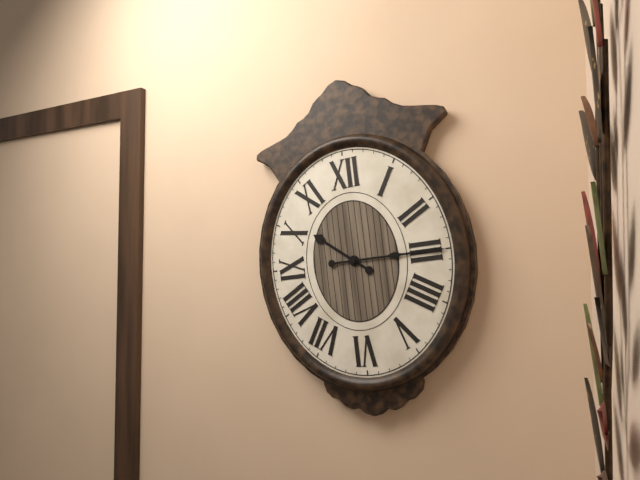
10 h 15 min
